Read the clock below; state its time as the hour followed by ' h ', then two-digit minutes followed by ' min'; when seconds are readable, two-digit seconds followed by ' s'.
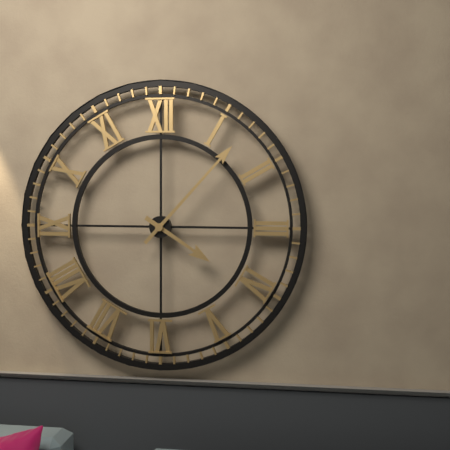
4 h 07 min
